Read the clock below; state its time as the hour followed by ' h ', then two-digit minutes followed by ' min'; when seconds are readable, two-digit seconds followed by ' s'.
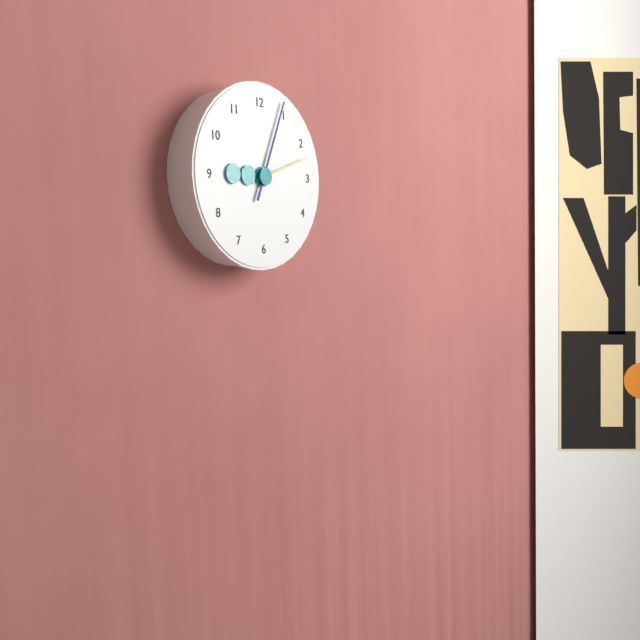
9 h 04 min 12 s
